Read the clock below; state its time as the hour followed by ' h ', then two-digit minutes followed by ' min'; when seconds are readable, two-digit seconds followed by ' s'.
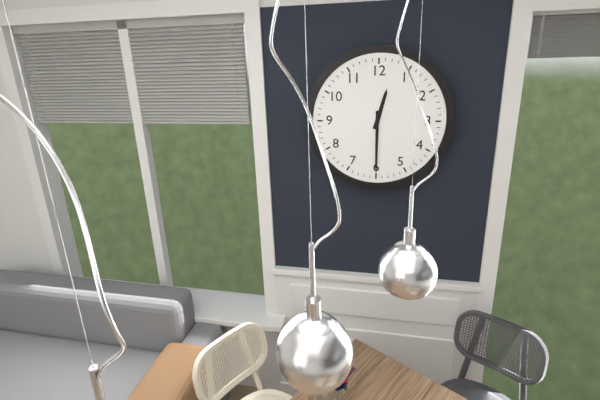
12 h 30 min
